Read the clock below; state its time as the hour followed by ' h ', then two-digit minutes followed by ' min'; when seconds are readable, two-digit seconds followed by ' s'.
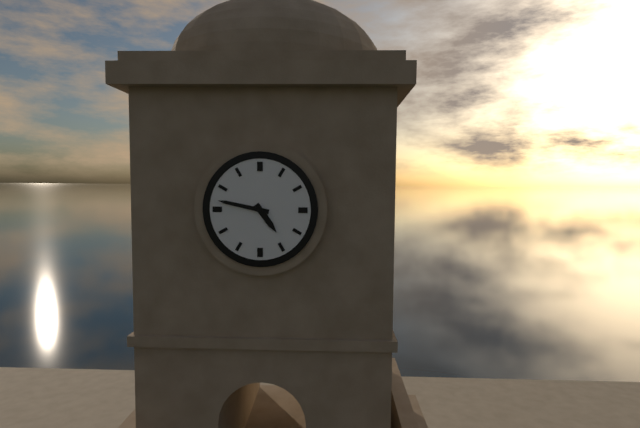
4 h 47 min
